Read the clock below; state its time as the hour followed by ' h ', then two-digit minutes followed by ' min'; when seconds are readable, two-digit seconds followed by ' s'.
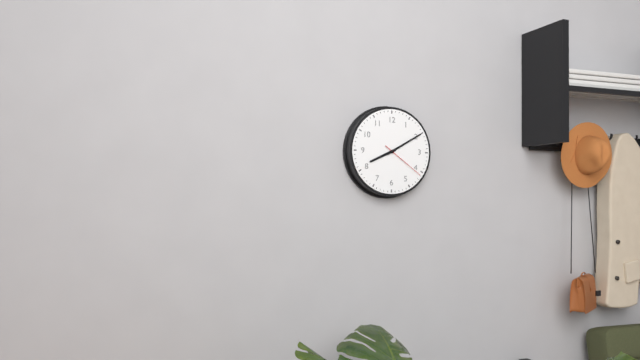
8 h 10 min
